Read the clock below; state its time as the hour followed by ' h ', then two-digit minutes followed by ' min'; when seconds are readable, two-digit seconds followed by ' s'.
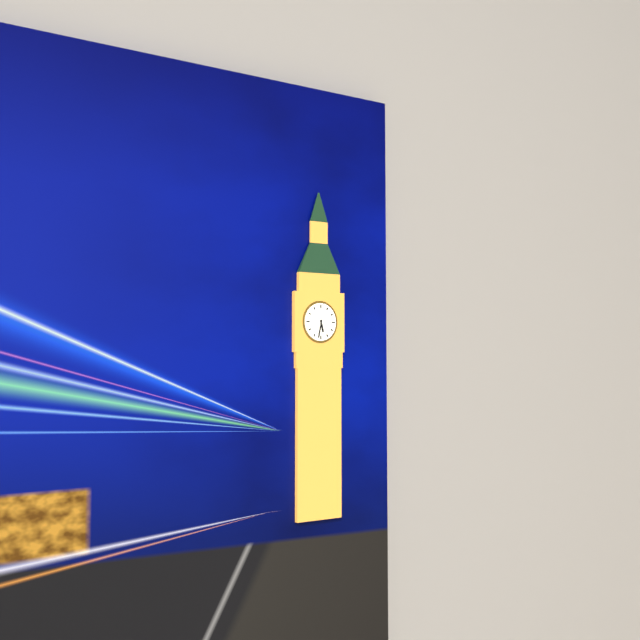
5 h 32 min
